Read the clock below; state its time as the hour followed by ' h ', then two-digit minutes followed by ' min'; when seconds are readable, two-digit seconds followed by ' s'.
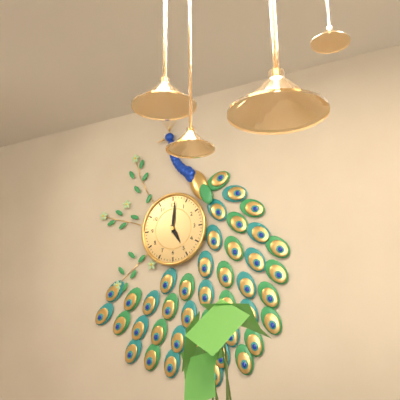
5 h 01 min
